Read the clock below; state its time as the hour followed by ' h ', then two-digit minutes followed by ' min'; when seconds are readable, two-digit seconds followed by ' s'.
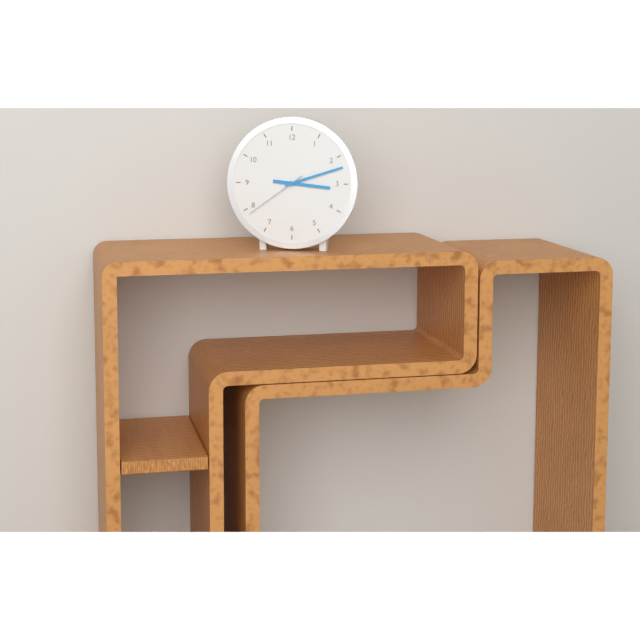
3 h 12 min 39 s
